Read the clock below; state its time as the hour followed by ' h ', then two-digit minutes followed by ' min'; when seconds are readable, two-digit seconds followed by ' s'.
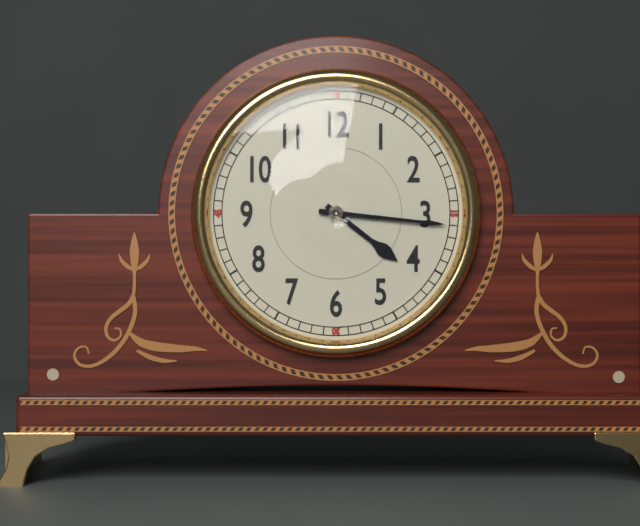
4 h 16 min
